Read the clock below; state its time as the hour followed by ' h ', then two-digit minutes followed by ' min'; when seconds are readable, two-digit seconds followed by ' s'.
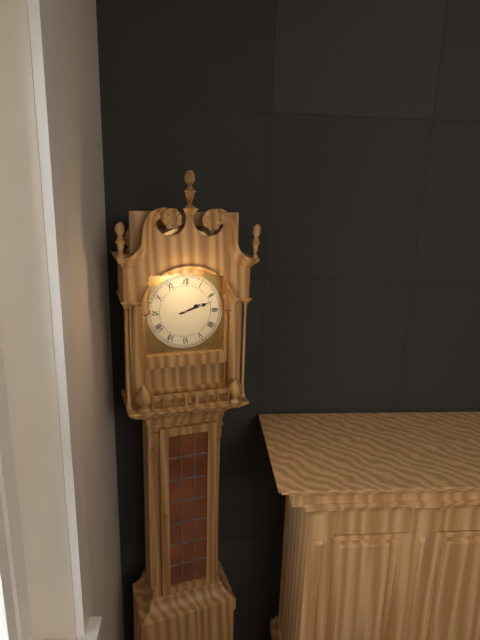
2 h 12 min
